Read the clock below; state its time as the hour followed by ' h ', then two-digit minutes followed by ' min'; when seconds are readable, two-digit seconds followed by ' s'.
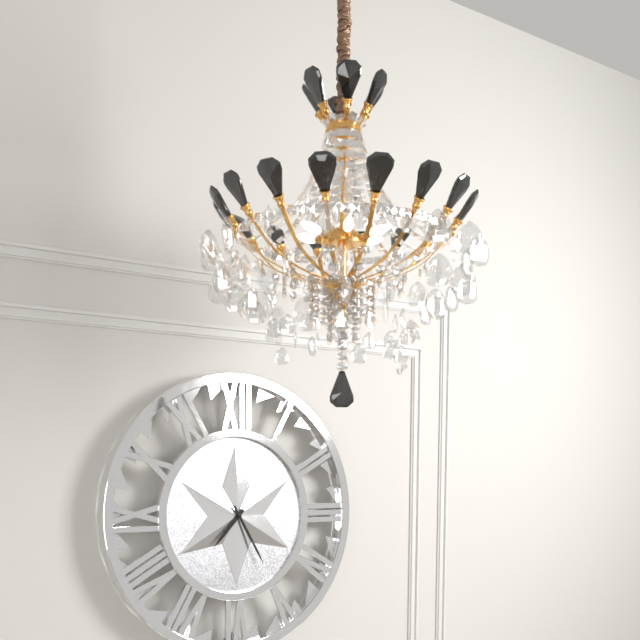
7 h 25 min
